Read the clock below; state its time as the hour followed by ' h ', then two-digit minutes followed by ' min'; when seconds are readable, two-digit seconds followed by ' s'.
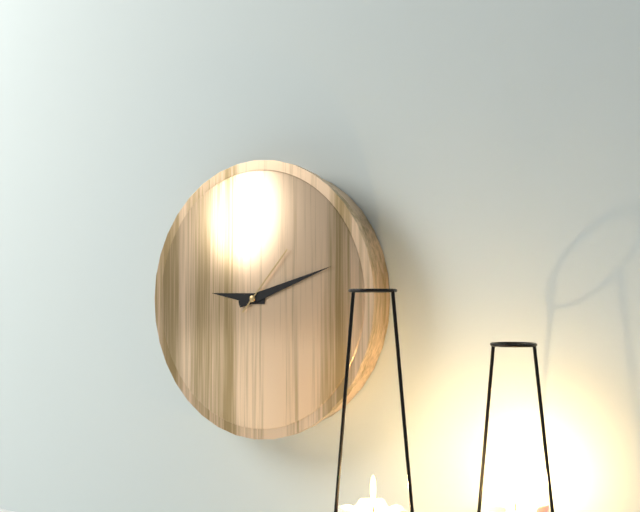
9 h 12 min 07 s
